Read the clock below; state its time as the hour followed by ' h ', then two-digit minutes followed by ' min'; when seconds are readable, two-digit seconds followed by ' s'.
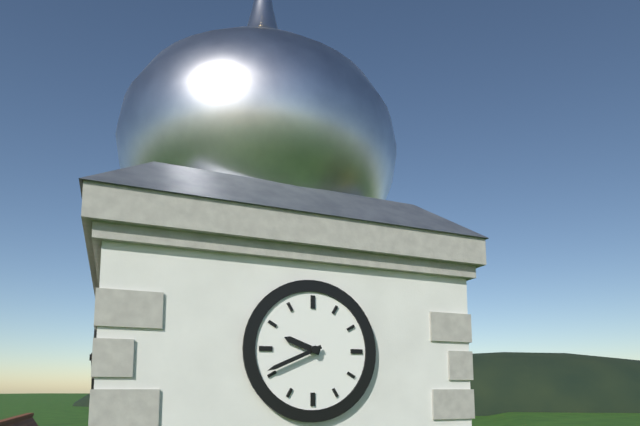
9 h 41 min
